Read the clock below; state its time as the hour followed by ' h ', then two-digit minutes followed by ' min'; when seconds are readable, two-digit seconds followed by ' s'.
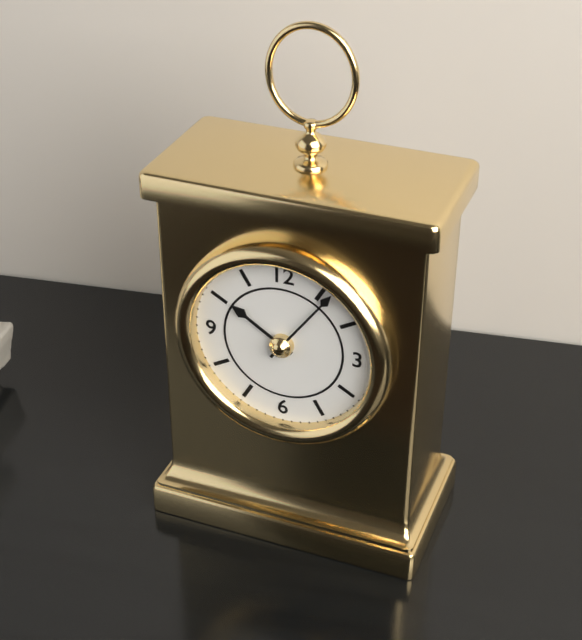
10 h 06 min
